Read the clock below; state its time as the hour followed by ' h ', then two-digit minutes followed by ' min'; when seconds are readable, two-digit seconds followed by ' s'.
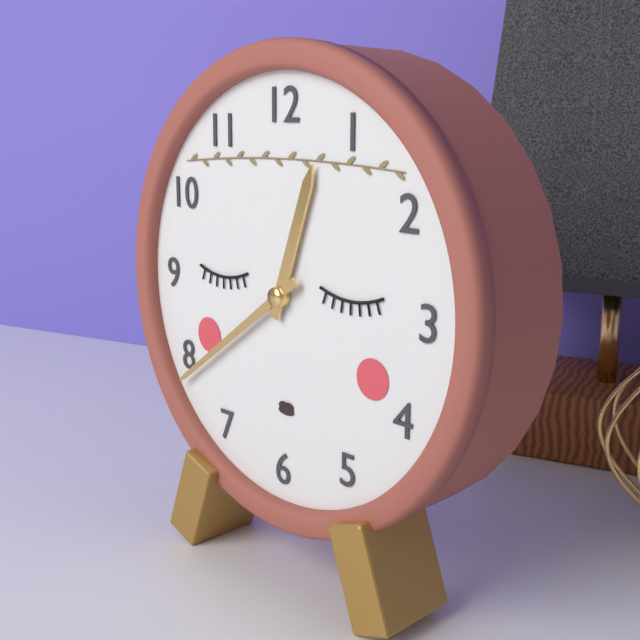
12 h 39 min
